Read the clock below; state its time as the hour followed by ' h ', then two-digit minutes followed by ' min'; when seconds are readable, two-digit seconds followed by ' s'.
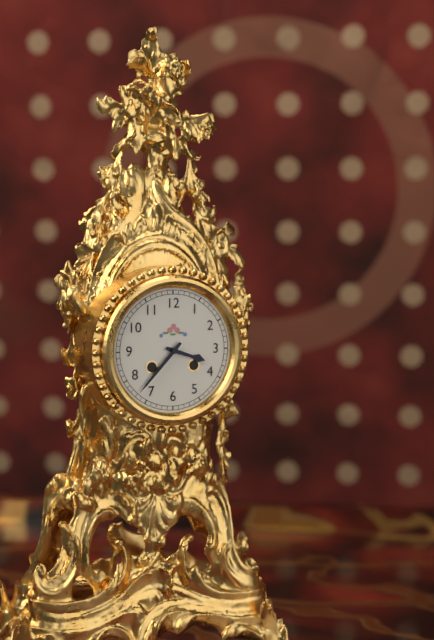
3 h 37 min
